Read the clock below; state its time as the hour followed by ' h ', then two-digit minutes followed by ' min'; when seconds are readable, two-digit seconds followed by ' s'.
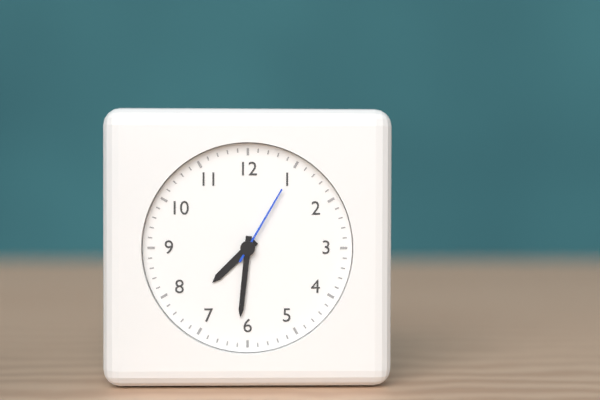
7 h 31 min 05 s
